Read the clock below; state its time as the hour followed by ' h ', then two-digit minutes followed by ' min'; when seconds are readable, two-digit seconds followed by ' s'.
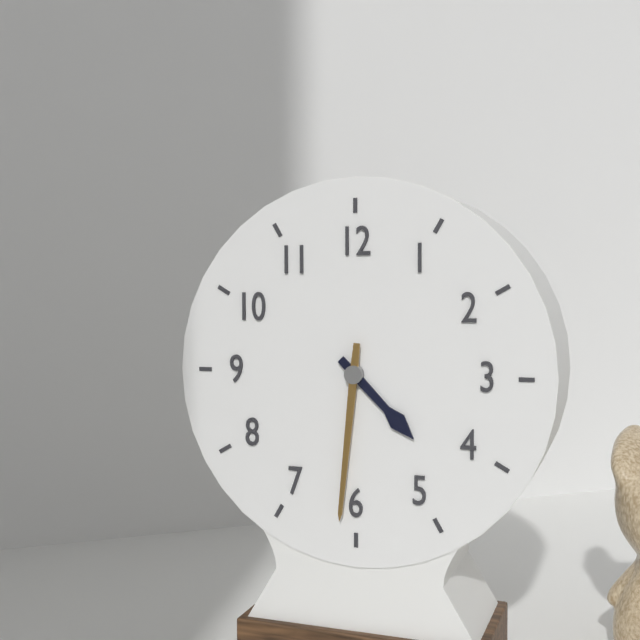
4 h 31 min
